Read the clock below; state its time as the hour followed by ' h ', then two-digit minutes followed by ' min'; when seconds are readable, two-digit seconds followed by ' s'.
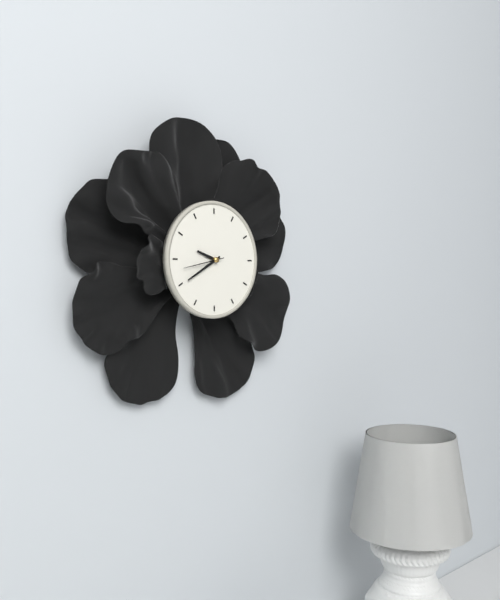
9 h 40 min
